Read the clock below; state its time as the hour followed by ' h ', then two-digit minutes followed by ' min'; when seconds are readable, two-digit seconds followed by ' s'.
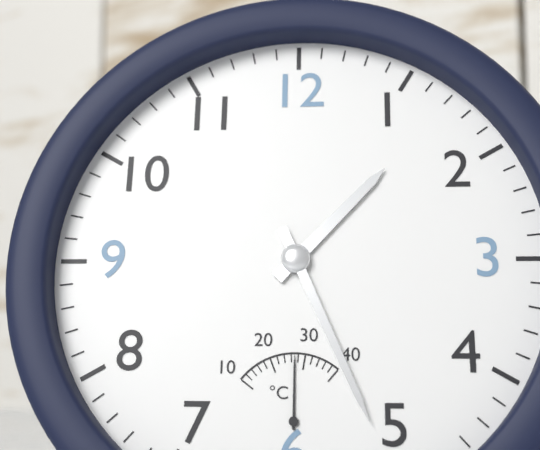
1 h 26 min
